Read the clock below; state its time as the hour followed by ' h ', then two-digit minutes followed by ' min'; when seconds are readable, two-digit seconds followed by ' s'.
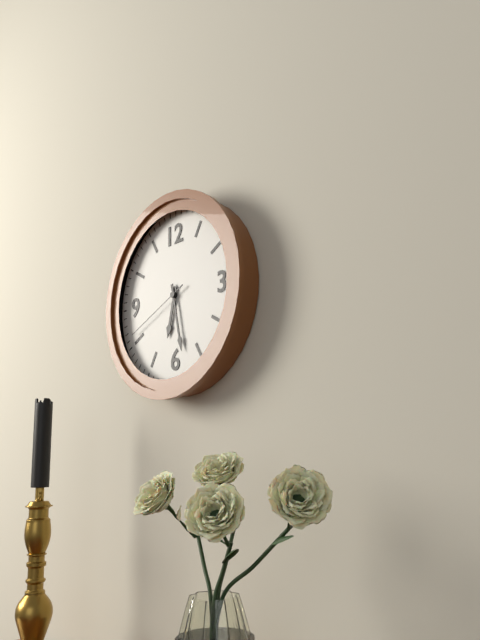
6 h 28 min 41 s
